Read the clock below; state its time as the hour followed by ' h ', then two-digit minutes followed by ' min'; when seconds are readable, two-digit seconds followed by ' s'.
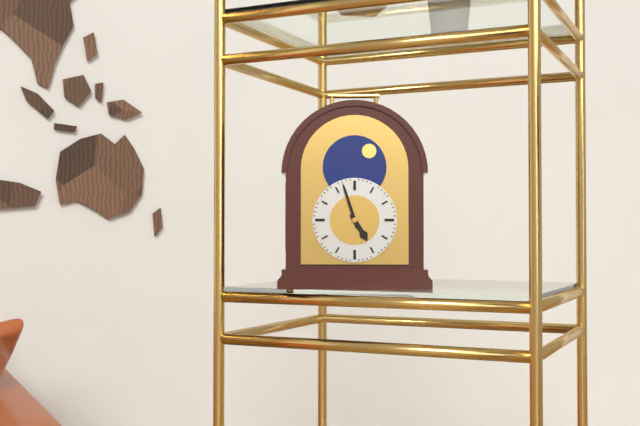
4 h 57 min
